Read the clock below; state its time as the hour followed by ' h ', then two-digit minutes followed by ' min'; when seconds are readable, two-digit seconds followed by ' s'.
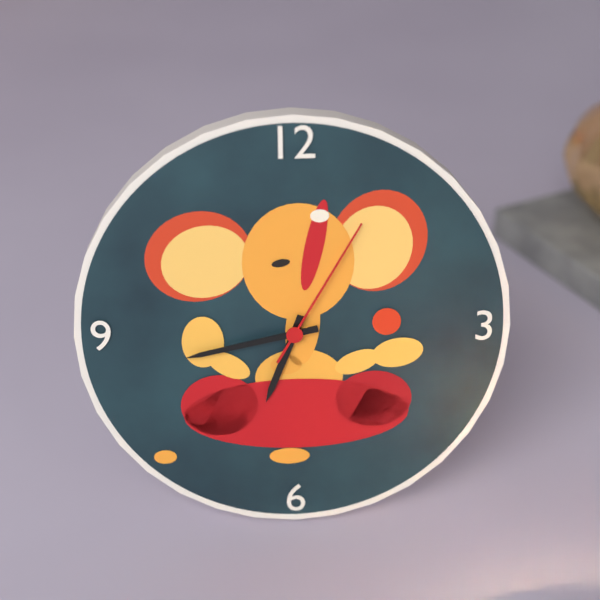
6 h 43 min 05 s
